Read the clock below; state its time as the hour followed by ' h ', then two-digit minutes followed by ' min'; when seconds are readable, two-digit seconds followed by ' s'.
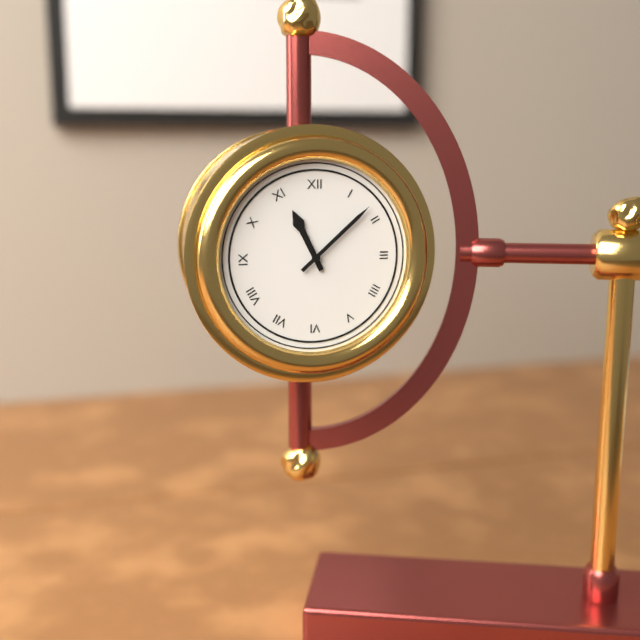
11 h 08 min
